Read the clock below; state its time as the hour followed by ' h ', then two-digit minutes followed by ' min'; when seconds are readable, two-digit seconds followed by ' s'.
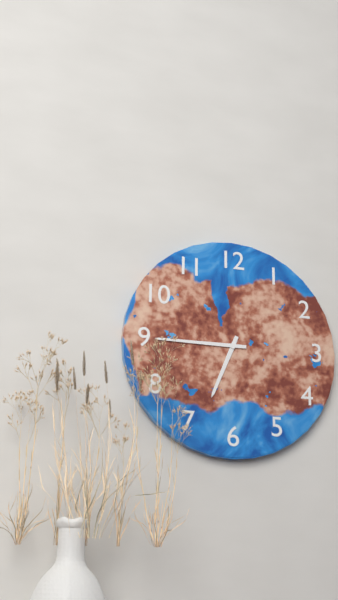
6 h 45 min
